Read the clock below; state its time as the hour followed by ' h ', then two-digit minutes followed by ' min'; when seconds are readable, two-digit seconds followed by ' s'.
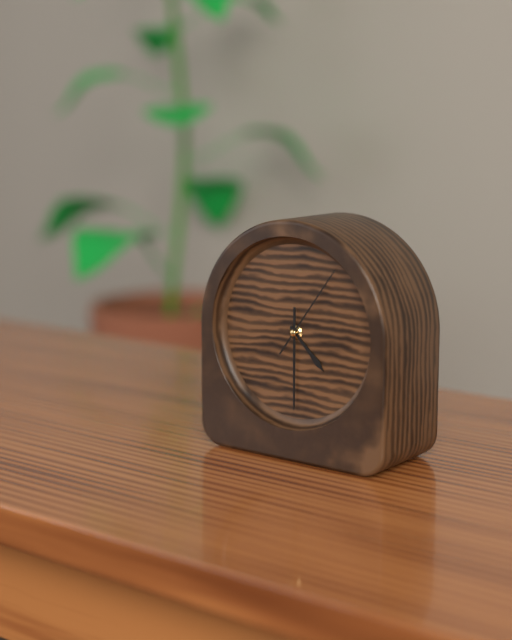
4 h 30 min 06 s
